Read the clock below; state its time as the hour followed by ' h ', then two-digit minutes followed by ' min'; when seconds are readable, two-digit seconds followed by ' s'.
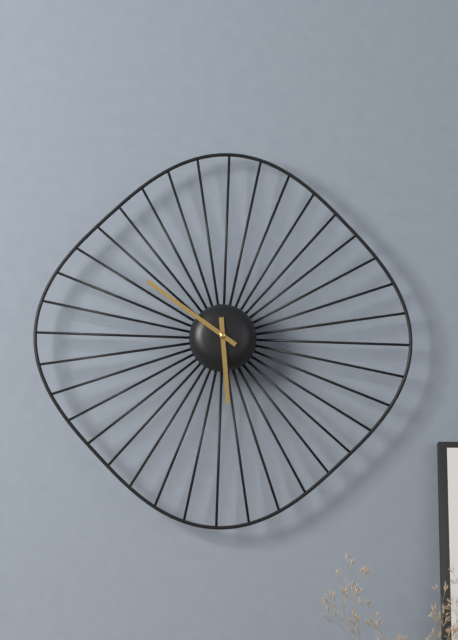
5 h 51 min
